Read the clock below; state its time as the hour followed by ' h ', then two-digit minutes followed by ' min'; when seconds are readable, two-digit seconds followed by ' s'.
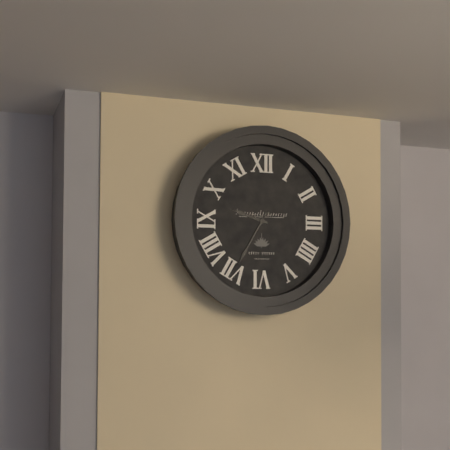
9 h 35 min
